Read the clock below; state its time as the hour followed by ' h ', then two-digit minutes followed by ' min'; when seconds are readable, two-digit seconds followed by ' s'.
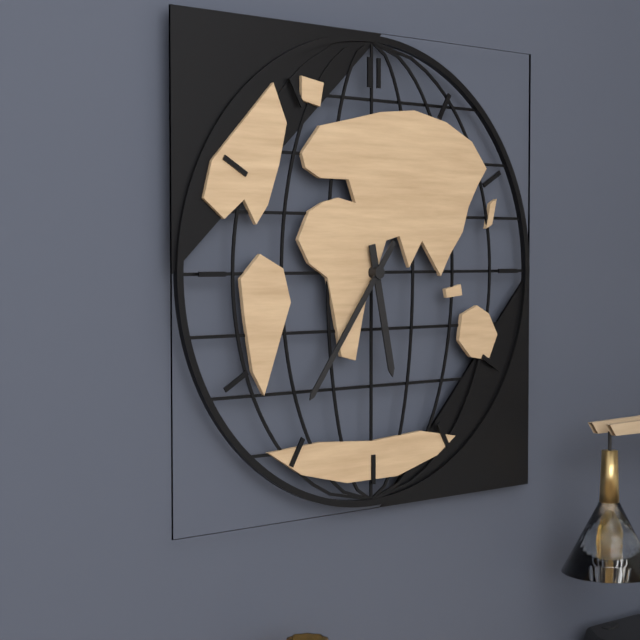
5 h 36 min
